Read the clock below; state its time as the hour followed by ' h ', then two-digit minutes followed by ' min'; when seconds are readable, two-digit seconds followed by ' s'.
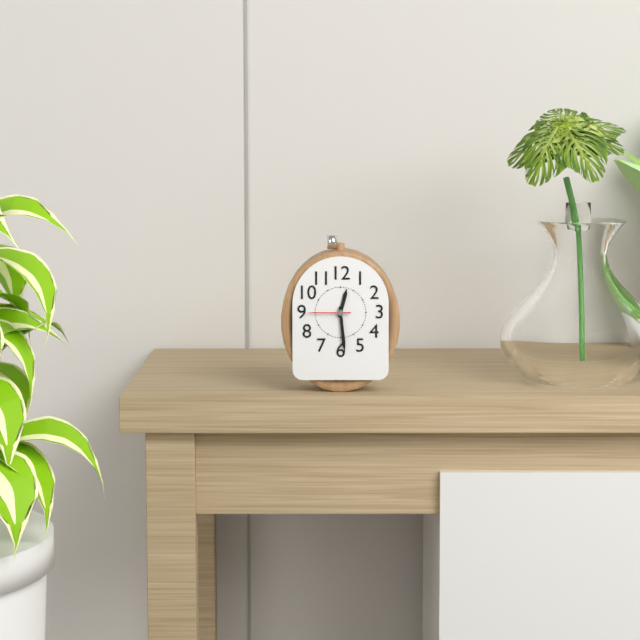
12 h 29 min
